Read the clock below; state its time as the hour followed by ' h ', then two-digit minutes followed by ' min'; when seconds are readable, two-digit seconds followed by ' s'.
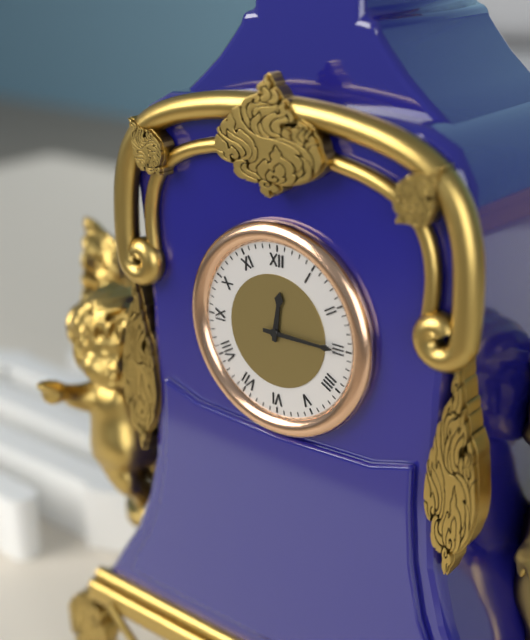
12 h 15 min
